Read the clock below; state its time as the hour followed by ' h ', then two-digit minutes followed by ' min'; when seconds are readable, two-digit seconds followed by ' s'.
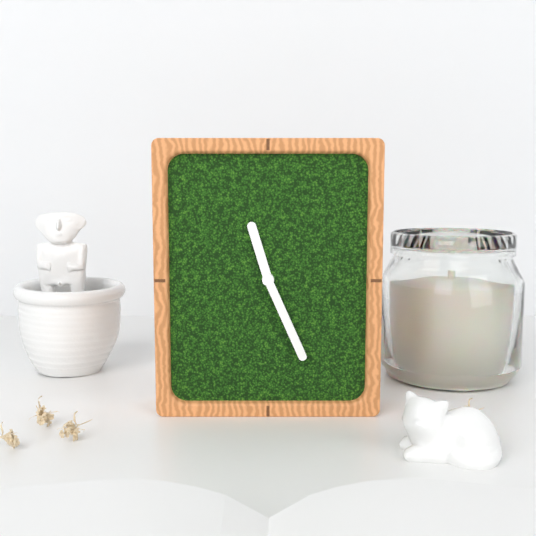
11 h 26 min
